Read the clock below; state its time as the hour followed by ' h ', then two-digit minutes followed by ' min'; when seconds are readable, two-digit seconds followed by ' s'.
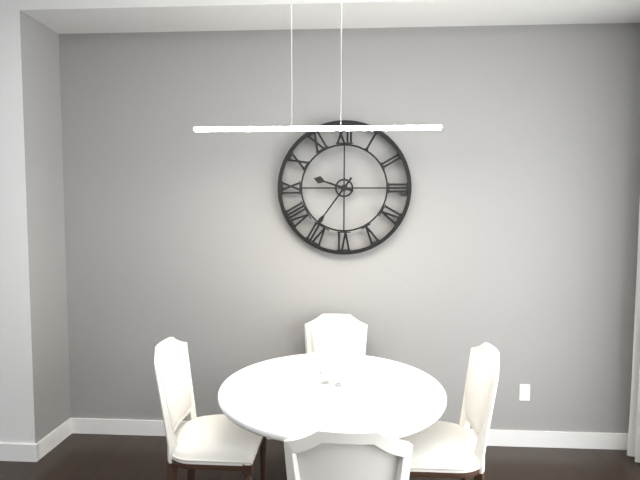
9 h 36 min
